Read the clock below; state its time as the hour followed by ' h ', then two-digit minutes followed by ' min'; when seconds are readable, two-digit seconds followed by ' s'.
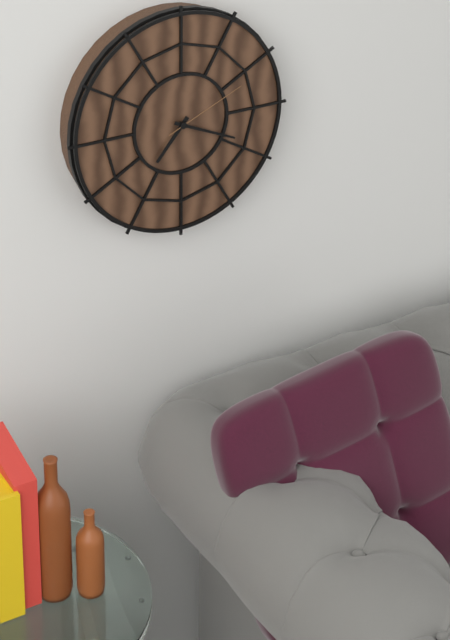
7 h 19 min 11 s
